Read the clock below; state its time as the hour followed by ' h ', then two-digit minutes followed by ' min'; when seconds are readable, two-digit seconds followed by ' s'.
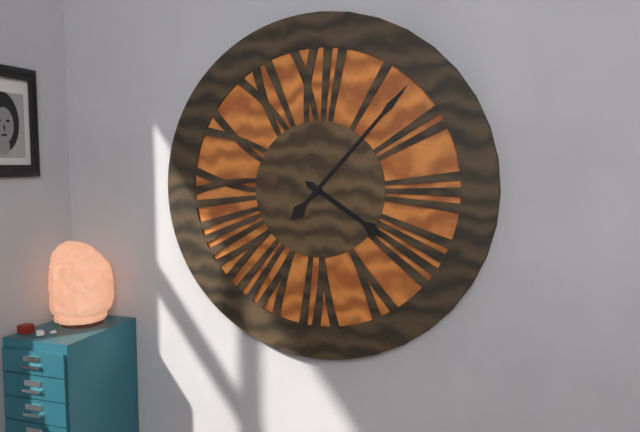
4 h 07 min
